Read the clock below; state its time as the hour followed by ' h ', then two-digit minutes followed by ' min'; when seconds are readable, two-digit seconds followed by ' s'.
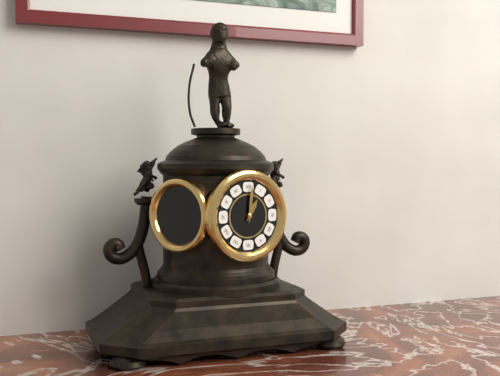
1 h 01 min
